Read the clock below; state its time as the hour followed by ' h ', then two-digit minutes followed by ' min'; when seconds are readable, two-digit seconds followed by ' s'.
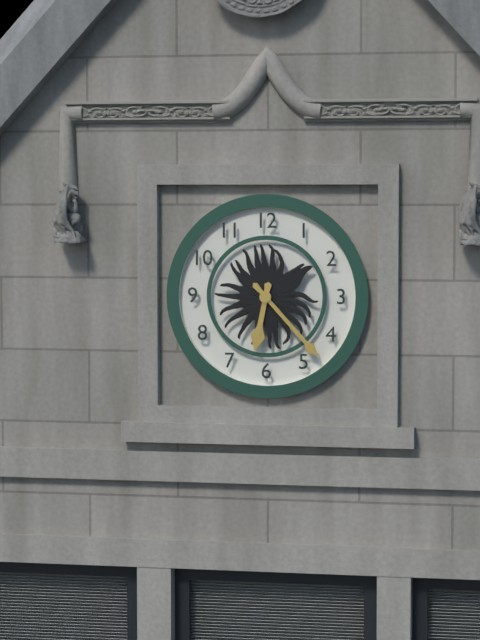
6 h 23 min
